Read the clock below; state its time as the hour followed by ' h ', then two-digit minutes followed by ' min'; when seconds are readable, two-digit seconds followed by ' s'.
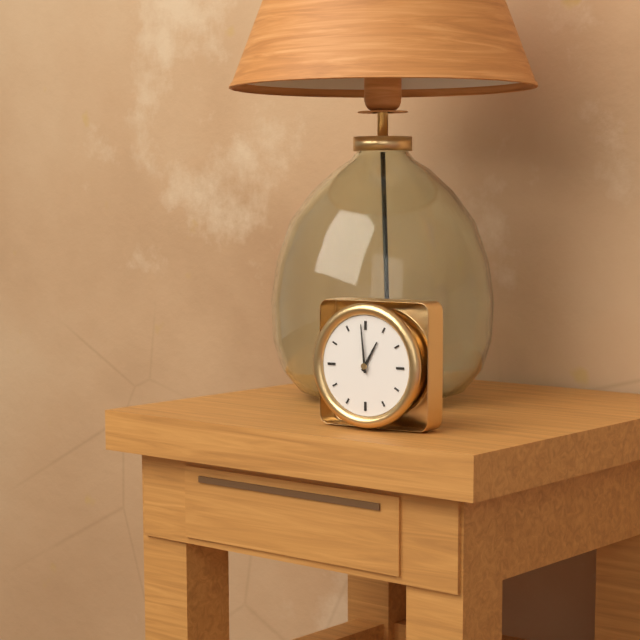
12 h 59 min
